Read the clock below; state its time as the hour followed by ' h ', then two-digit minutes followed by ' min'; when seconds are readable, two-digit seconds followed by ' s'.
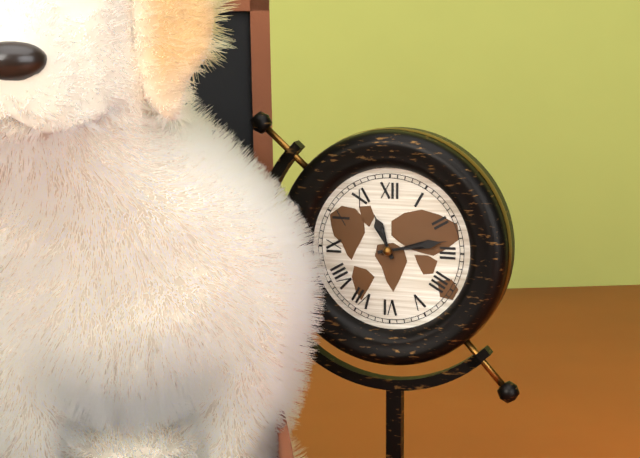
11 h 13 min
